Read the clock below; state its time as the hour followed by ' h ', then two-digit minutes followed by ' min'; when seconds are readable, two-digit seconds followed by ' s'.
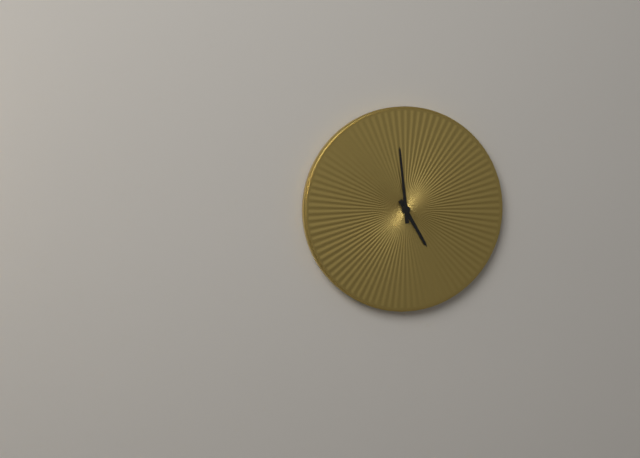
4 h 59 min
